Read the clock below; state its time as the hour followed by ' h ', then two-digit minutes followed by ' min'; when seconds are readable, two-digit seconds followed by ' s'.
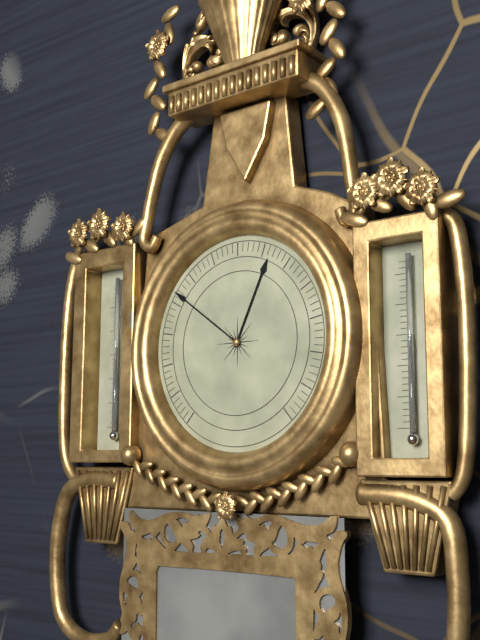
12 h 51 min
